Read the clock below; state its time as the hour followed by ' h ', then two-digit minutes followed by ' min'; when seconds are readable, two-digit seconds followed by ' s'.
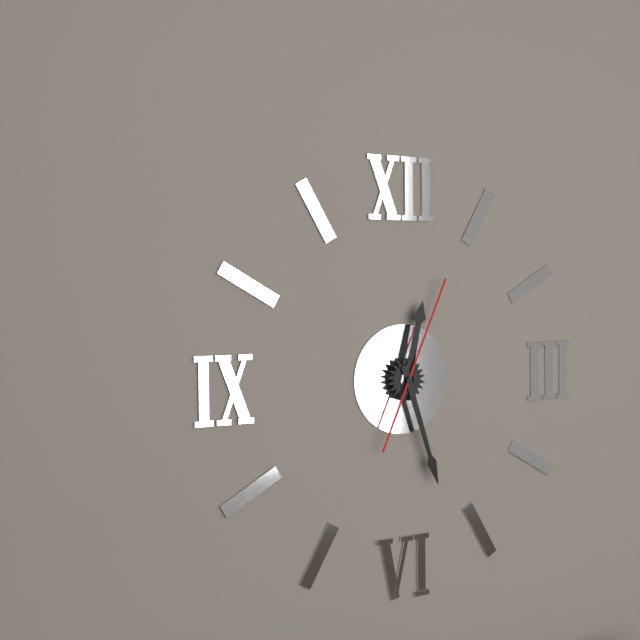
12 h 27 min 04 s
